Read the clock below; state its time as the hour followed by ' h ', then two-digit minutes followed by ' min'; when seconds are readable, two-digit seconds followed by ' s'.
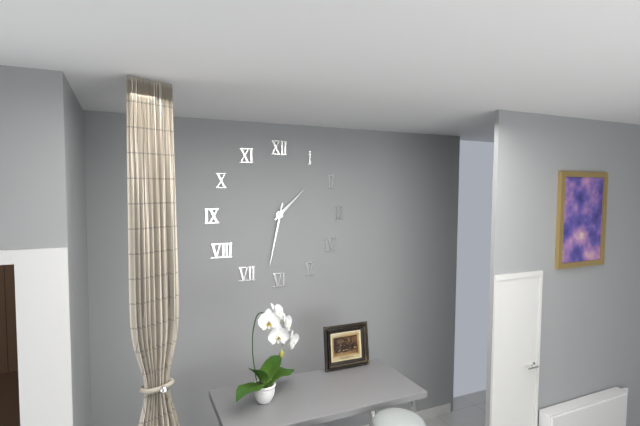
1 h 32 min
